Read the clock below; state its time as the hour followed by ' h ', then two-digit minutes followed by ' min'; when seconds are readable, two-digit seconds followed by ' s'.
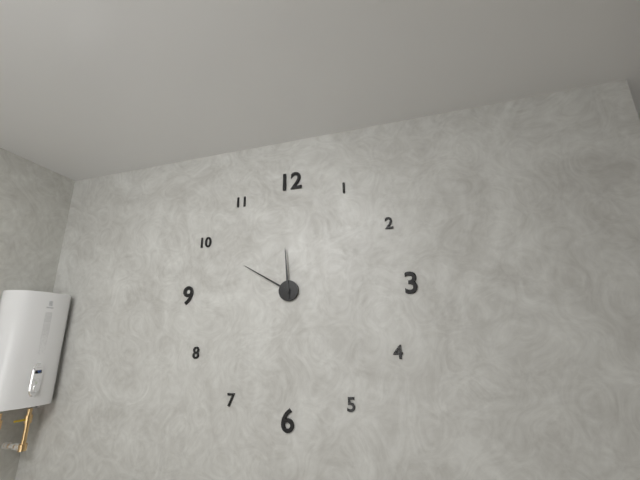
11 h 50 min
